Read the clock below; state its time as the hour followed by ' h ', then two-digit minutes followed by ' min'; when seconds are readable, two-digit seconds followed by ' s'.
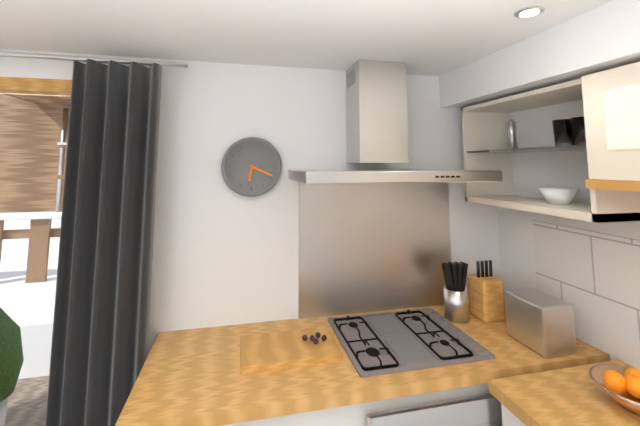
6 h 19 min
